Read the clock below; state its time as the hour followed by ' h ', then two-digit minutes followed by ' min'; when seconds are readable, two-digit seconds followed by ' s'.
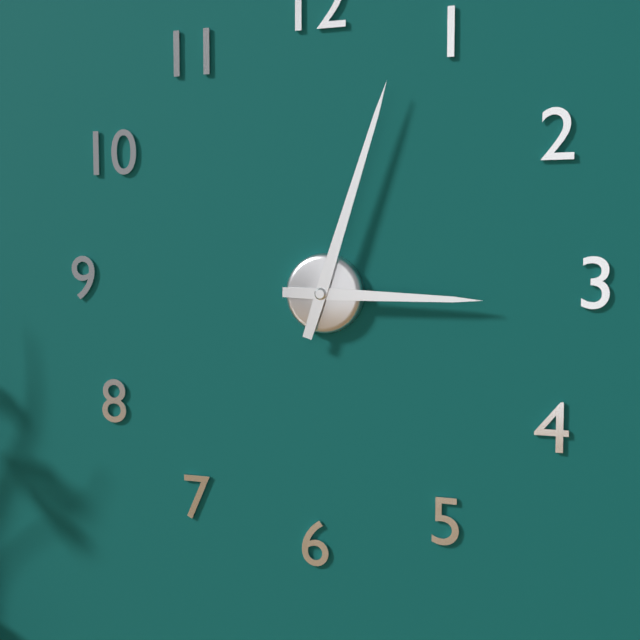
3 h 03 min
